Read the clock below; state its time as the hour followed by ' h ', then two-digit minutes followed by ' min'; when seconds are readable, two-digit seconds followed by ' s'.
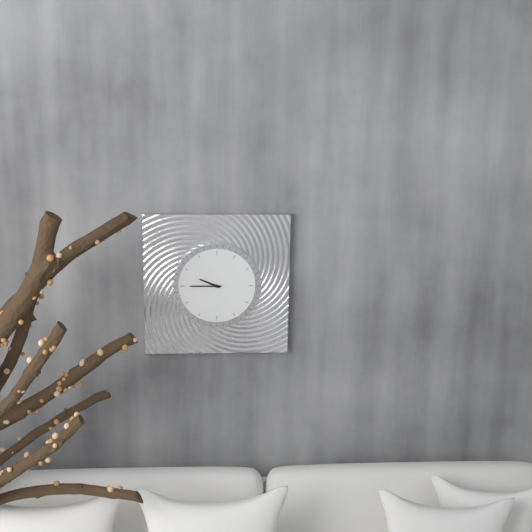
9 h 45 min
